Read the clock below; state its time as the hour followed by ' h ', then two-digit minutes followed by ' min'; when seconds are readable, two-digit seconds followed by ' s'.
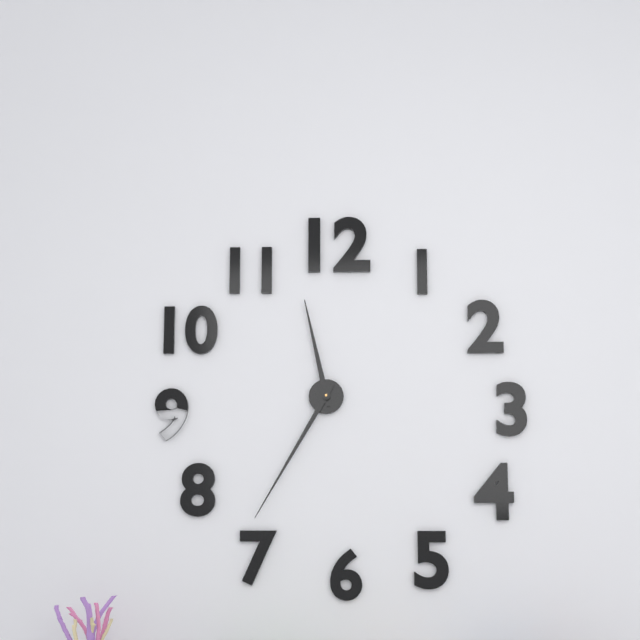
11 h 35 min
